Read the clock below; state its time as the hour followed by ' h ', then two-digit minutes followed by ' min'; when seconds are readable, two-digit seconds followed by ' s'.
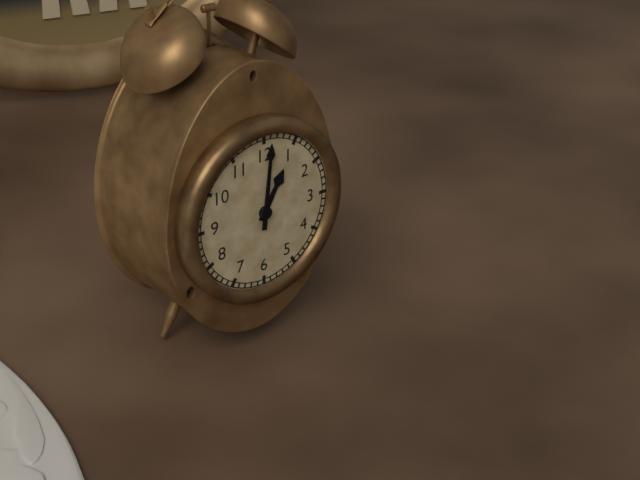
1 h 01 min
